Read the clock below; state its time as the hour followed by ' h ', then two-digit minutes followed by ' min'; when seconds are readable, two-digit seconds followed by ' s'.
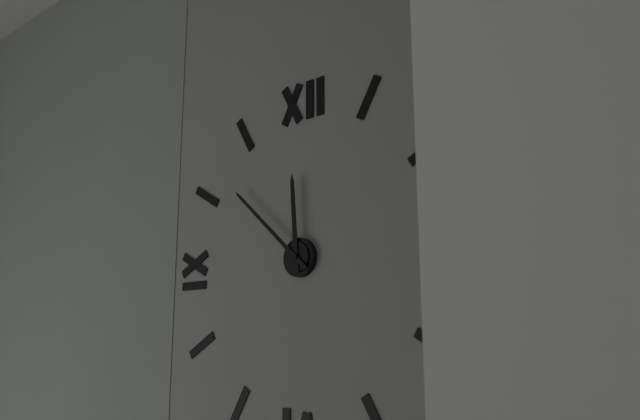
11 h 52 min
